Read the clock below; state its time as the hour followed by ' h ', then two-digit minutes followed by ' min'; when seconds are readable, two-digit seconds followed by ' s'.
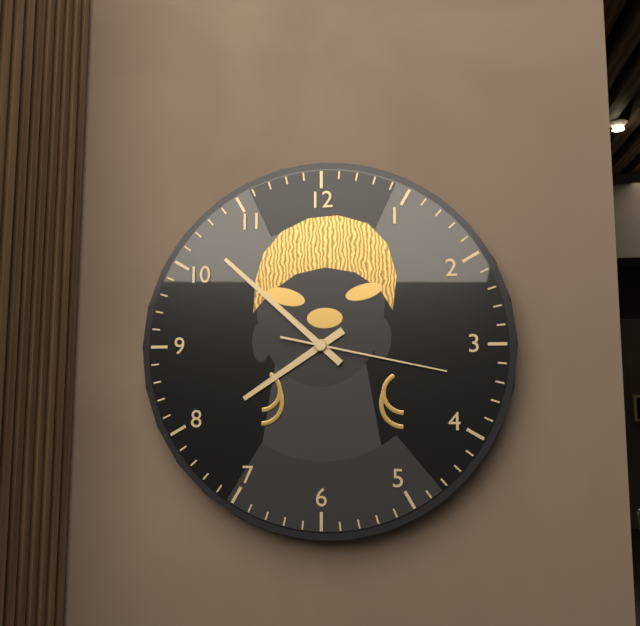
7 h 52 min 17 s
